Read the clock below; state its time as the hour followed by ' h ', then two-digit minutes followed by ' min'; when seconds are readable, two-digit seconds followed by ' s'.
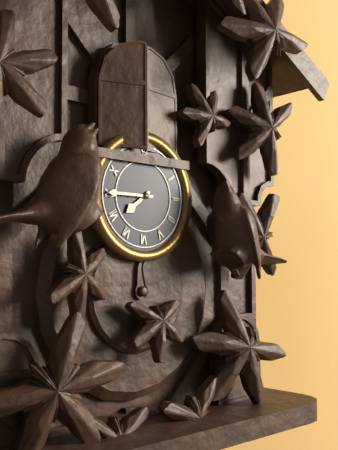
7 h 45 min
